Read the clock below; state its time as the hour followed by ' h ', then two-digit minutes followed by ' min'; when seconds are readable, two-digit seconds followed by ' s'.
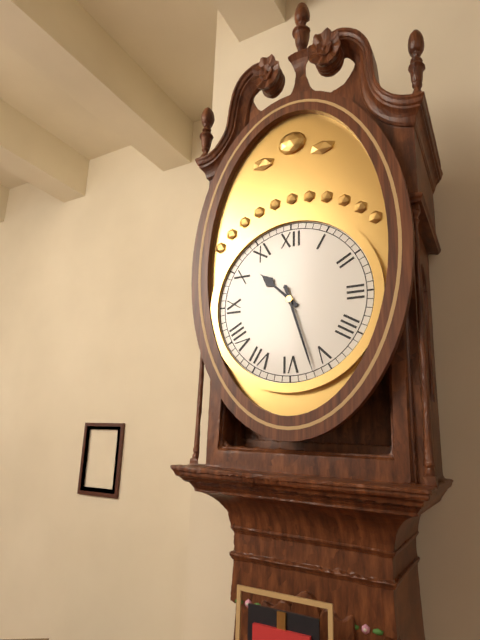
10 h 27 min
